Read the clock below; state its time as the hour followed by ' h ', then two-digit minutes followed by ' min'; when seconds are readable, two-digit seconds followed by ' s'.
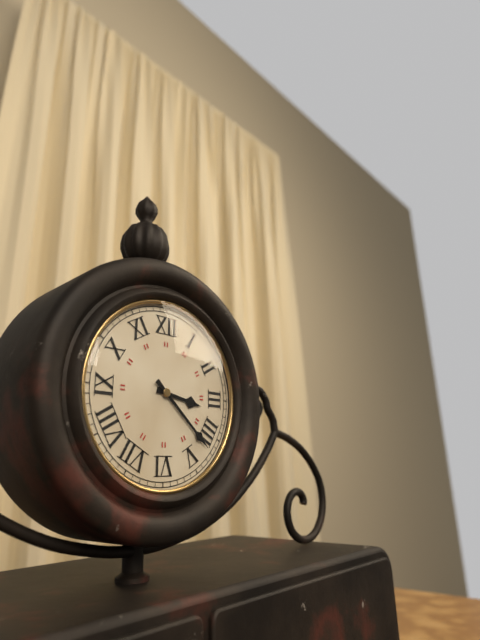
3 h 22 min
